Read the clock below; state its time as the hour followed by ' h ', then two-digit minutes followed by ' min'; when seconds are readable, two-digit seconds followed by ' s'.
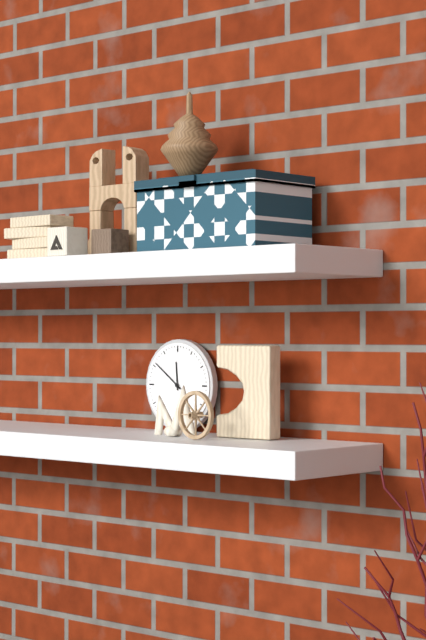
11 h 51 min
